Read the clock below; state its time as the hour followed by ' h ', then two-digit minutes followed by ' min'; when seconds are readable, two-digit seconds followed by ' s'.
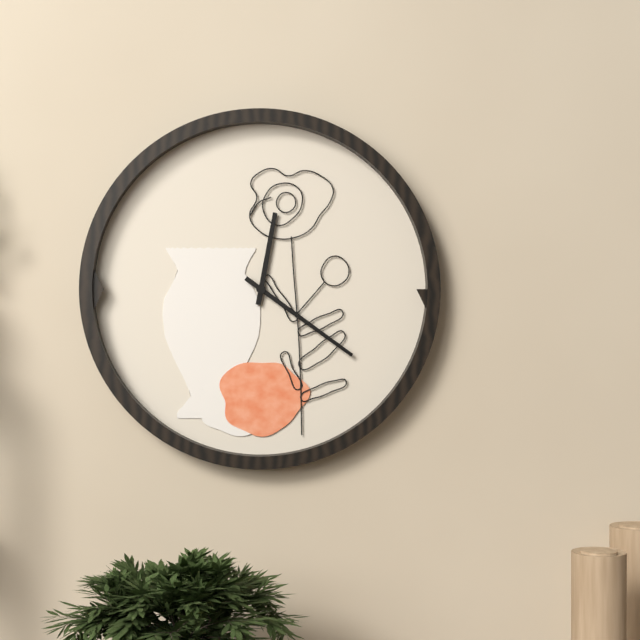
12 h 21 min
